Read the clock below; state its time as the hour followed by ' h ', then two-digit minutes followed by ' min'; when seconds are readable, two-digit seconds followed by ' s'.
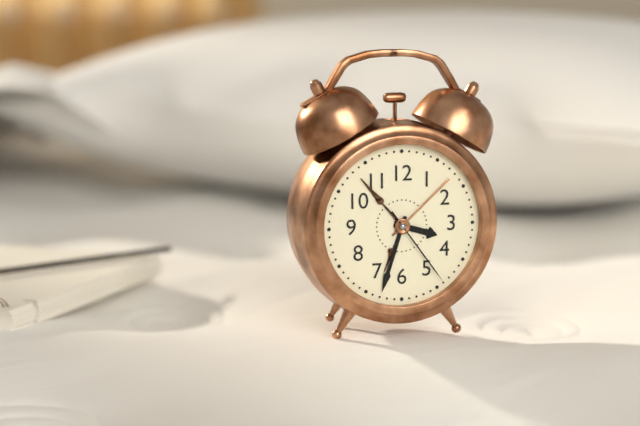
3 h 33 min 24 s
